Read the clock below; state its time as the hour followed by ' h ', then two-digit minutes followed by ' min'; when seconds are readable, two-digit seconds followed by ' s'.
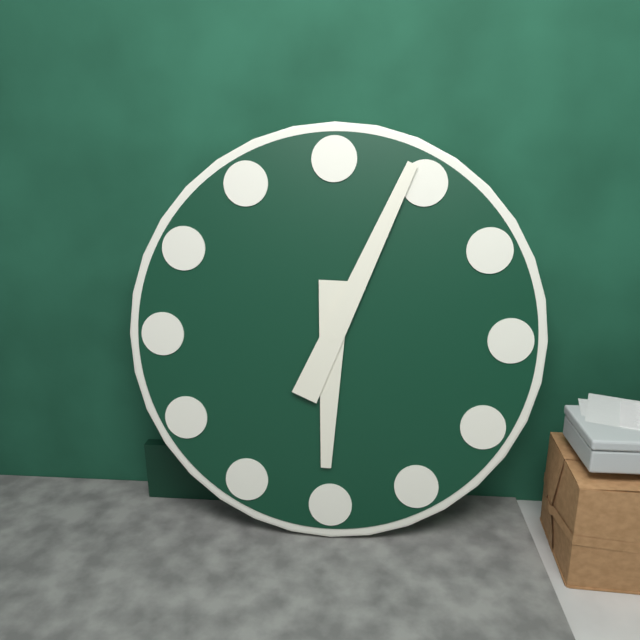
6 h 04 min
